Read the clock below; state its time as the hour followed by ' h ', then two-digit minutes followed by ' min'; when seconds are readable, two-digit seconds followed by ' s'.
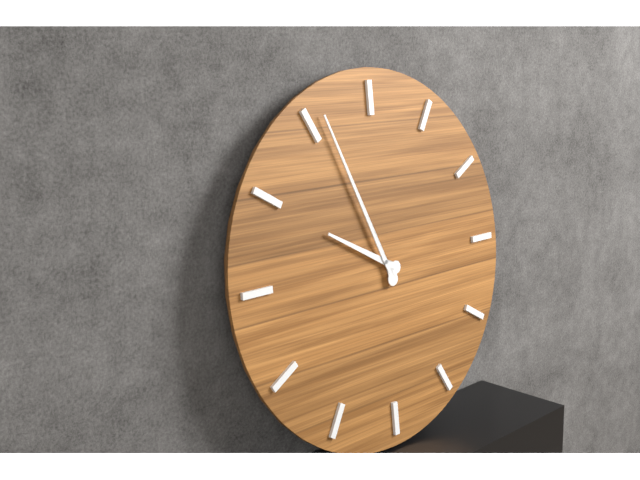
9 h 56 min
